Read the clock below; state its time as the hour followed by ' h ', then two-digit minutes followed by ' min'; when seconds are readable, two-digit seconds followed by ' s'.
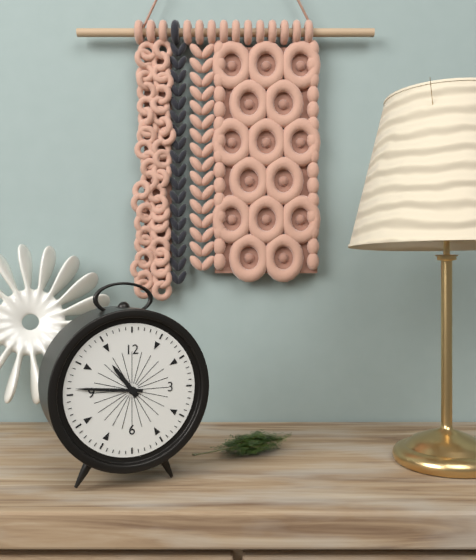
10 h 46 min
